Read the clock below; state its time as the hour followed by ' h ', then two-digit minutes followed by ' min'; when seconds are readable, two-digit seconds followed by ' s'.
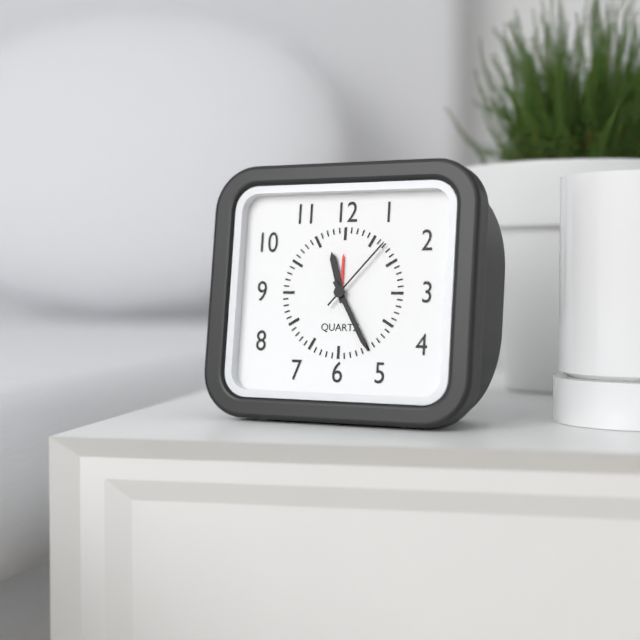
11 h 25 min 07 s
